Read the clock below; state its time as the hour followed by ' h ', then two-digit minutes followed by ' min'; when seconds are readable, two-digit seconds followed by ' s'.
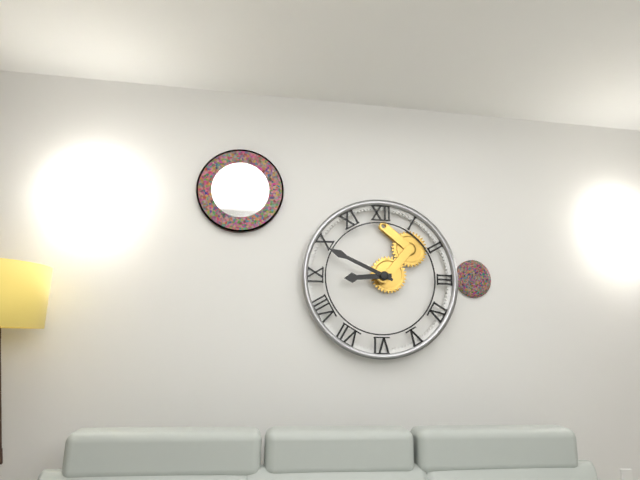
8 h 49 min
